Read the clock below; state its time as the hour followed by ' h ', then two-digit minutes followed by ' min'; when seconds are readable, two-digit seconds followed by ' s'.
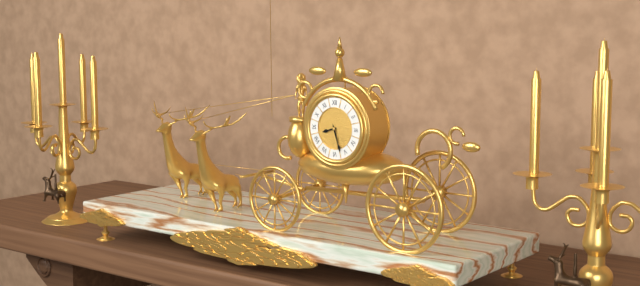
8 h 27 min
